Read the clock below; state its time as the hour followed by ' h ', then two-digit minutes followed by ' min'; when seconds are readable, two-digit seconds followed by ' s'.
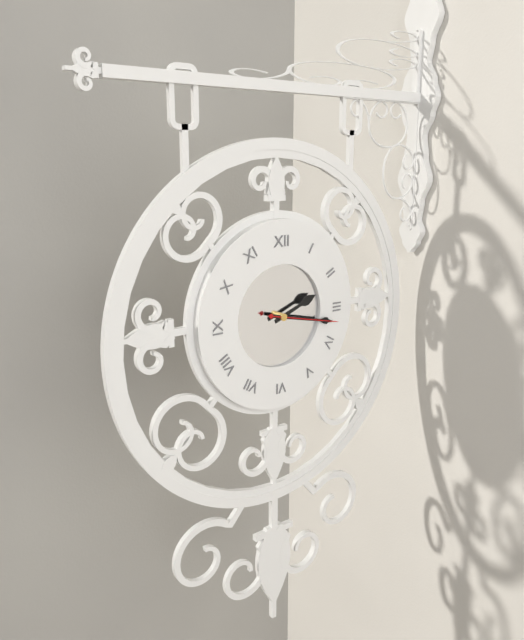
2 h 17 min 17 s
